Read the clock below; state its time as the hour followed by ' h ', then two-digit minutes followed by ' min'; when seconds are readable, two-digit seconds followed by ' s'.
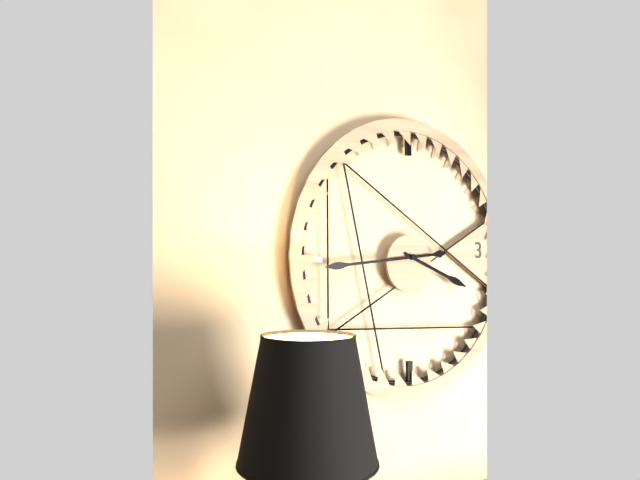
3 h 44 min
